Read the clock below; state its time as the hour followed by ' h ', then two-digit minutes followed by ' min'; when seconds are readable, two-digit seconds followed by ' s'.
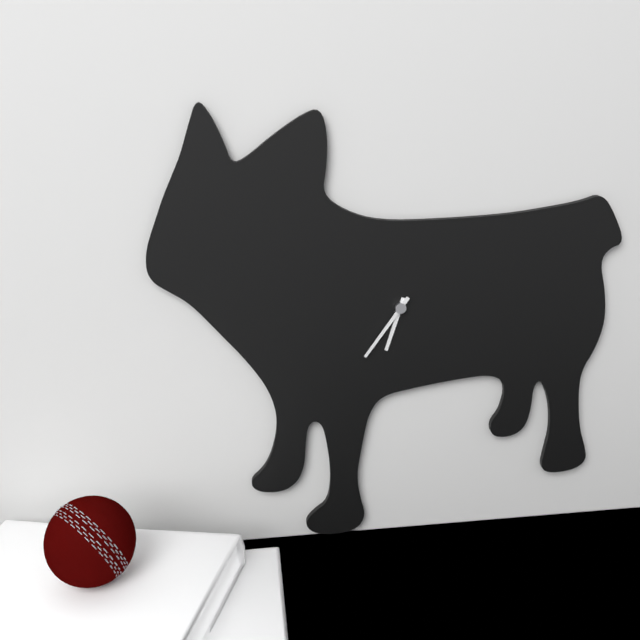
6 h 36 min
